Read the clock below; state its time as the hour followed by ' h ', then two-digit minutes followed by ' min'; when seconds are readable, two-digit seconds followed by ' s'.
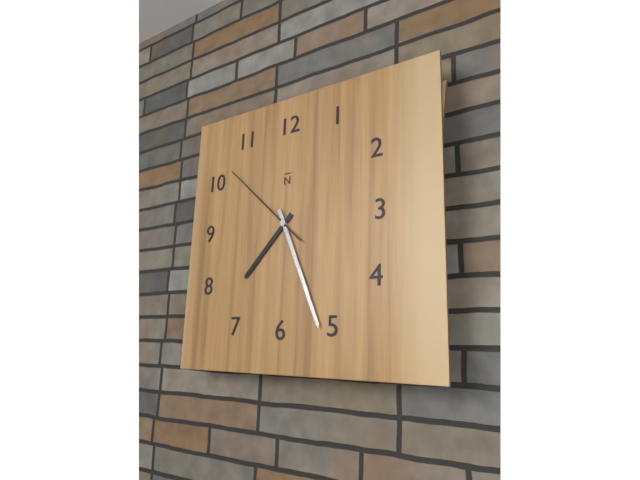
7 h 26 min 52 s
